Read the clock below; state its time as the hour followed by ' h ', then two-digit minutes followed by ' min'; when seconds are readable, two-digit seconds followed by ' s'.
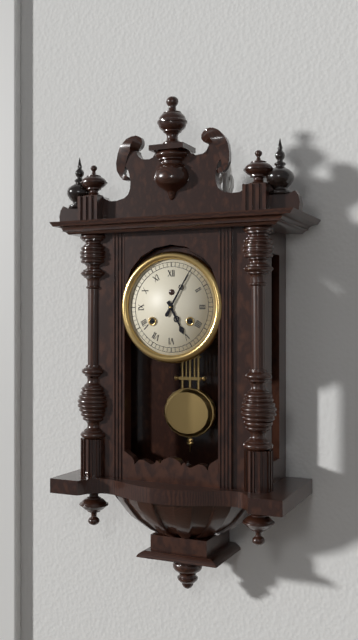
5 h 05 min
